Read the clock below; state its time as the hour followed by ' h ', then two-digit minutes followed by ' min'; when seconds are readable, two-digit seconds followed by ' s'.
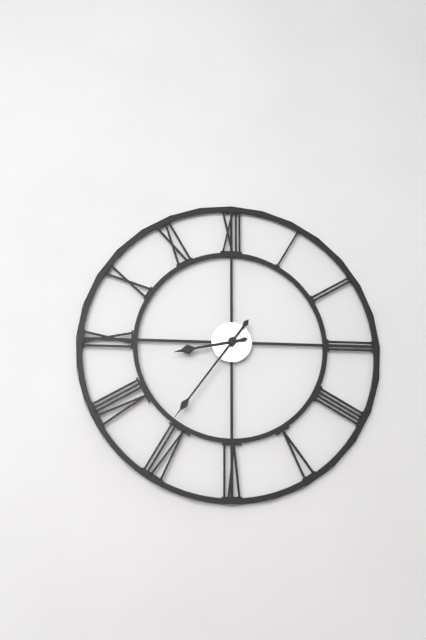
8 h 36 min
